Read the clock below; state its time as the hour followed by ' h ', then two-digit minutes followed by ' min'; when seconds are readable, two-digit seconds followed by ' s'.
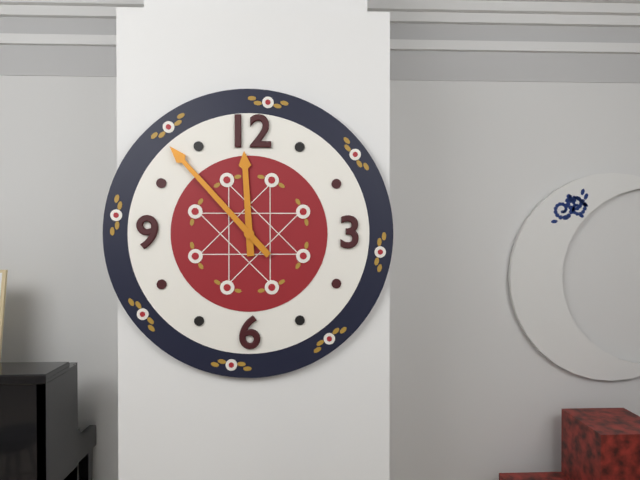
11 h 53 min
